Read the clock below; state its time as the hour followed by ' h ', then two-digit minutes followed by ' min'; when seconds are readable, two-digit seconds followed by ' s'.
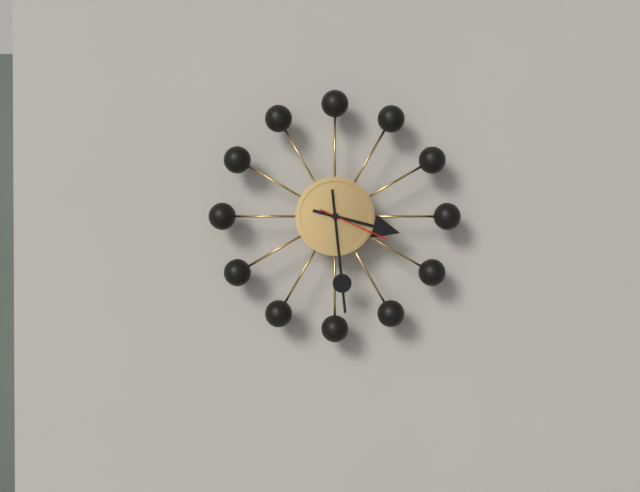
3 h 29 min 19 s
